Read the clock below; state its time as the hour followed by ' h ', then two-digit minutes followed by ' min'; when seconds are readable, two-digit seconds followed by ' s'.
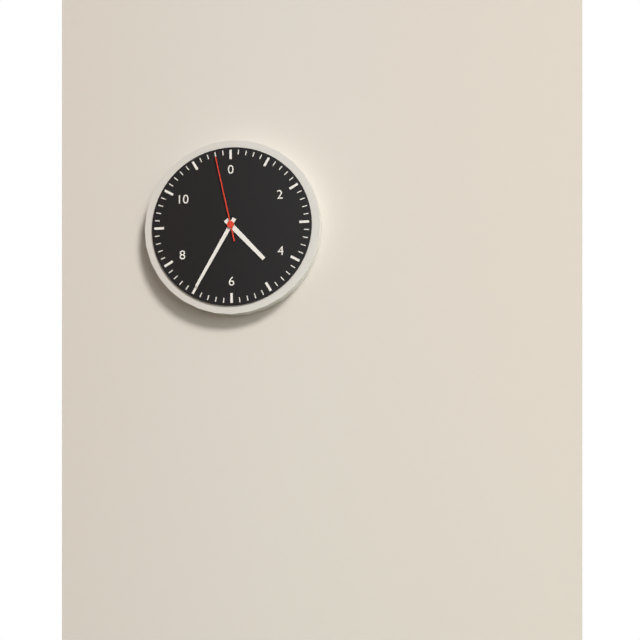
4 h 35 min 58 s
